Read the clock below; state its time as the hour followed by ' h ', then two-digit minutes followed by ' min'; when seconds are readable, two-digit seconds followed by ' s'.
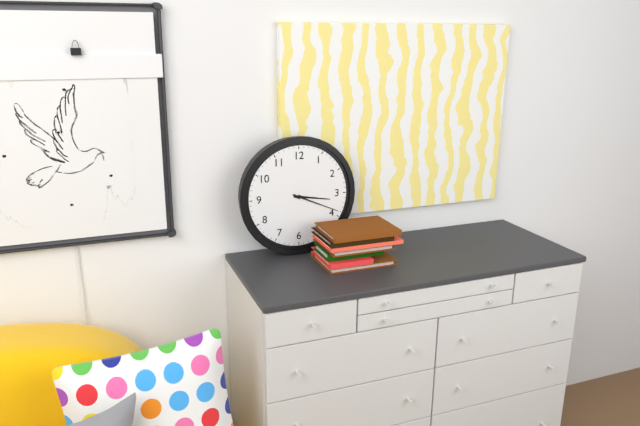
3 h 19 min
